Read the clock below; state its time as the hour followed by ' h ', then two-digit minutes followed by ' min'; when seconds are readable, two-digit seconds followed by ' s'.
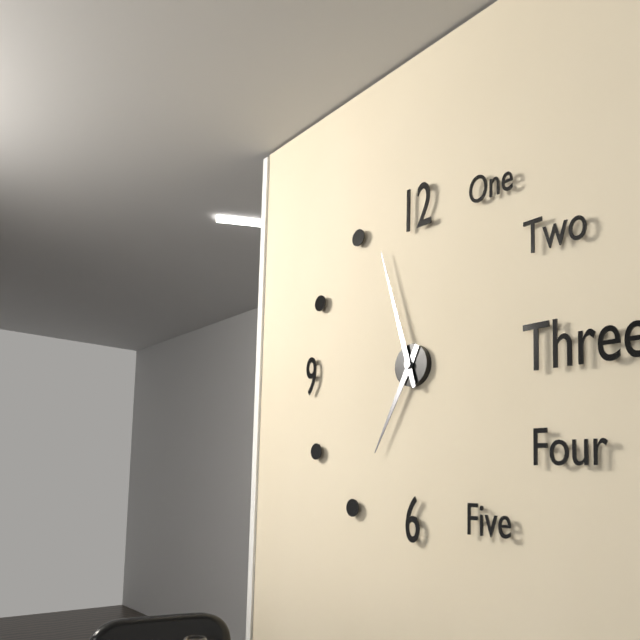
6 h 57 min
